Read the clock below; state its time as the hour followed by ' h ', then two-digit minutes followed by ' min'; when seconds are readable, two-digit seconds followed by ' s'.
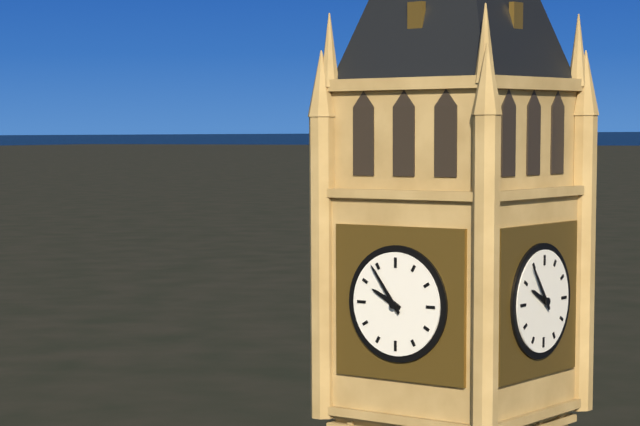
9 h 54 min
